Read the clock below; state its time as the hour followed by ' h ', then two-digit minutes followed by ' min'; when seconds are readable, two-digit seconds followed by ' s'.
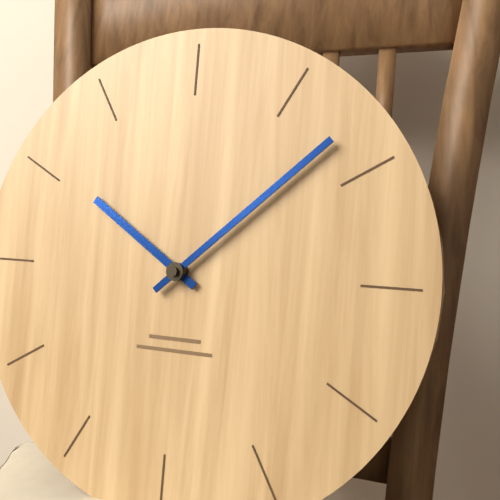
10 h 08 min
